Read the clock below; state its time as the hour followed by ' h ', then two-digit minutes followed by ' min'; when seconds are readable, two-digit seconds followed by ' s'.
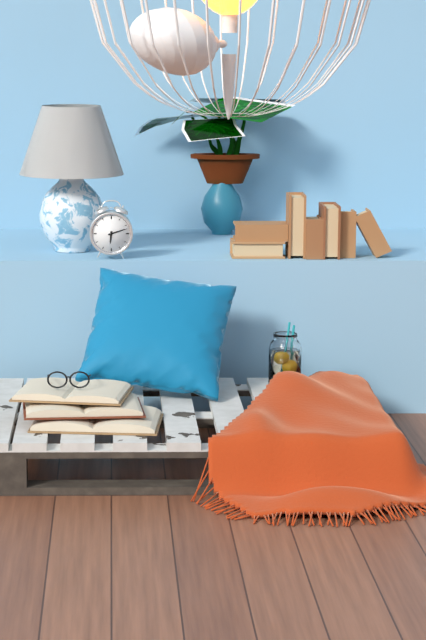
6 h 12 min
